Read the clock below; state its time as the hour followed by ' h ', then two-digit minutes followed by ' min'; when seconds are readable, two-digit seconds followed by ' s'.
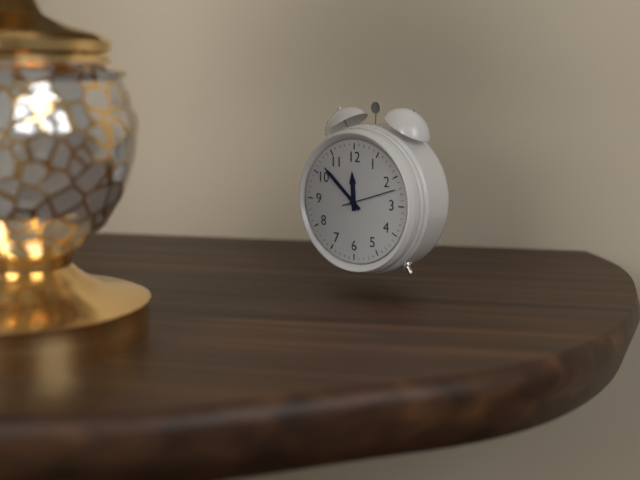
11 h 52 min 12 s
